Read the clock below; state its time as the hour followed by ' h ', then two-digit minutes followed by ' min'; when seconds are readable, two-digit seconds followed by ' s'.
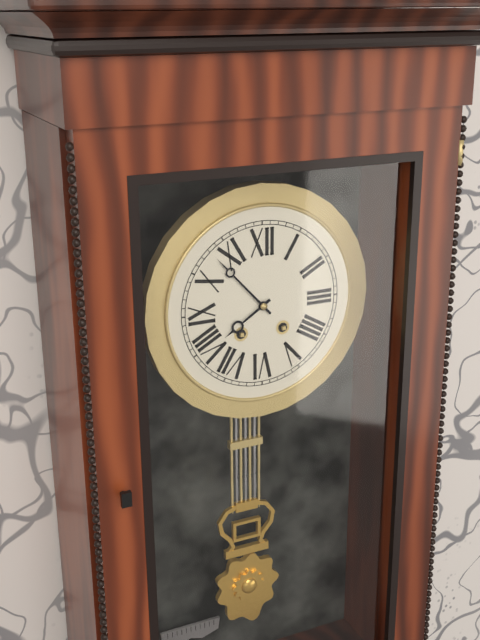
7 h 53 min
